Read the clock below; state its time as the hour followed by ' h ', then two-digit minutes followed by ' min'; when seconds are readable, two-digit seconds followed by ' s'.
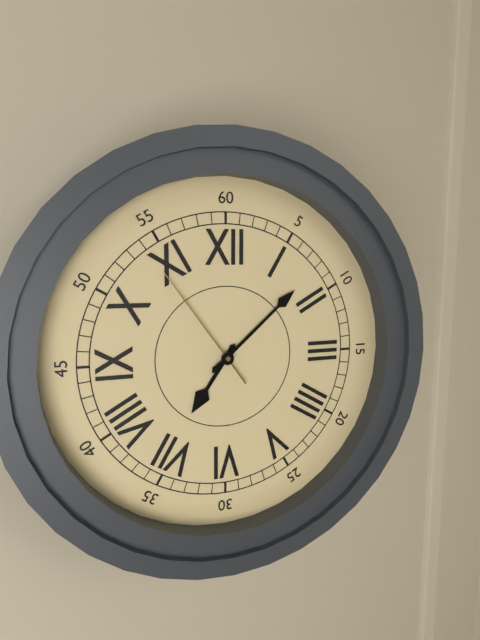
7 h 08 min 54 s
